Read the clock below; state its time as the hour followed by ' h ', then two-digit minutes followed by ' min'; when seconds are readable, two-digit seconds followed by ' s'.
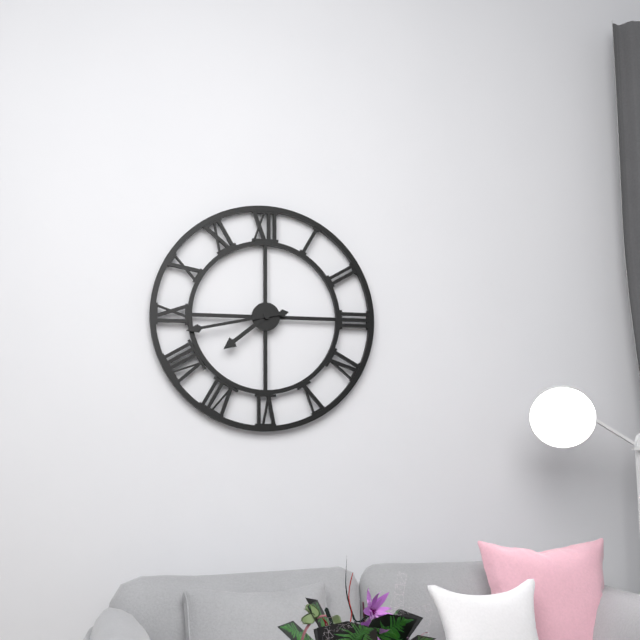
7 h 43 min
